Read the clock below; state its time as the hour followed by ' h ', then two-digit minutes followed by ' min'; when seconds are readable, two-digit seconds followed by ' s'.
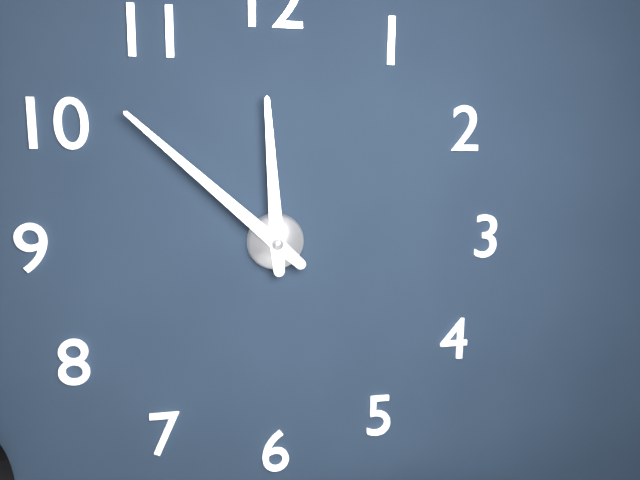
11 h 52 min
